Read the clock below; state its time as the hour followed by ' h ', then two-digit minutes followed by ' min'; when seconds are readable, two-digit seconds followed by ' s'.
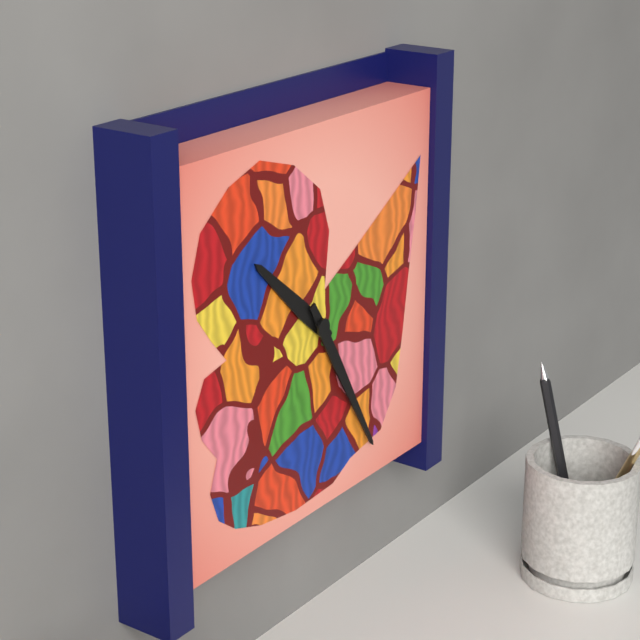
10 h 25 min
